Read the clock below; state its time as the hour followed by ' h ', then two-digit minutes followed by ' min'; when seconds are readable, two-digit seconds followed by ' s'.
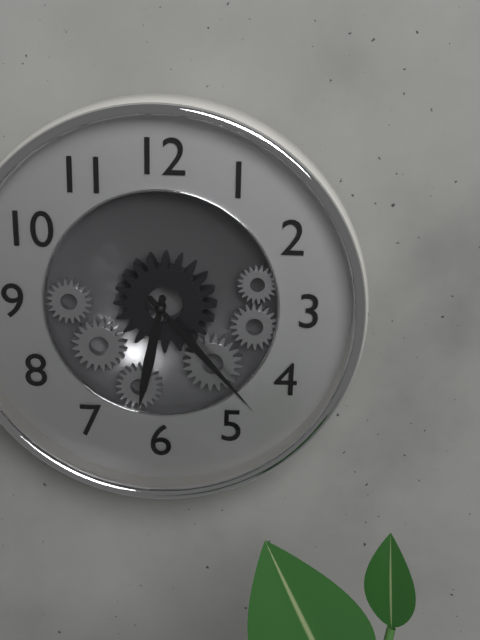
6 h 23 min
